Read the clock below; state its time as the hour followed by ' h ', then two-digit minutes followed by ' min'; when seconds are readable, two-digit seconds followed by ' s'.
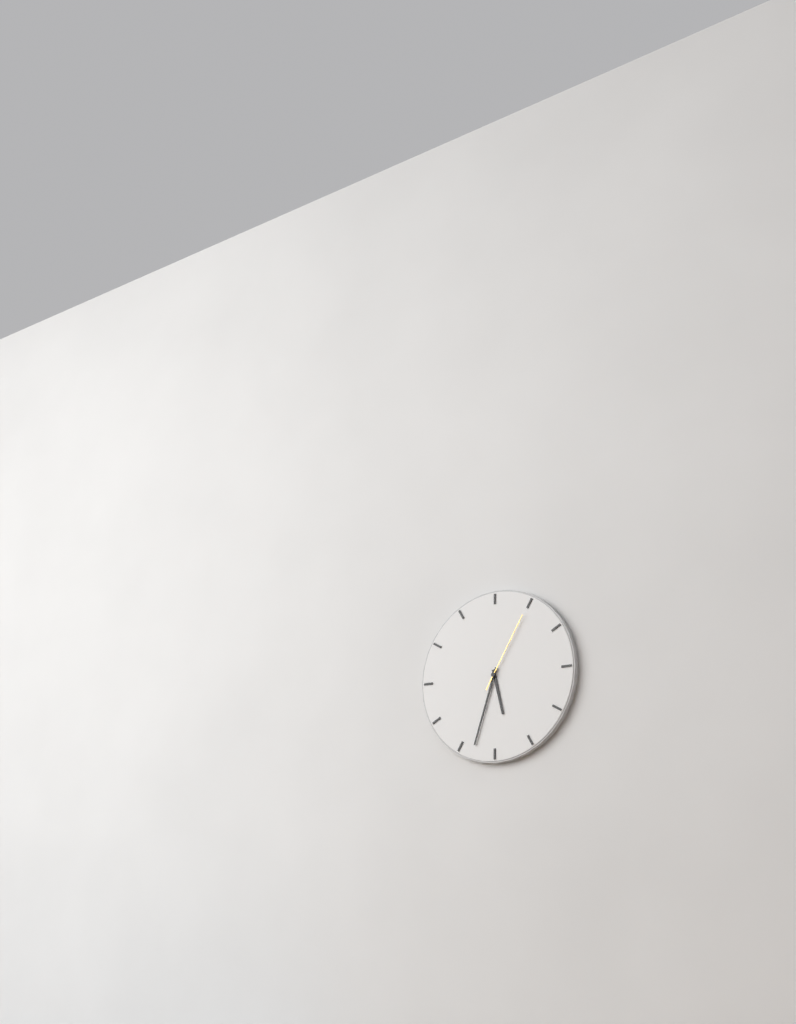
5 h 33 min 05 s
